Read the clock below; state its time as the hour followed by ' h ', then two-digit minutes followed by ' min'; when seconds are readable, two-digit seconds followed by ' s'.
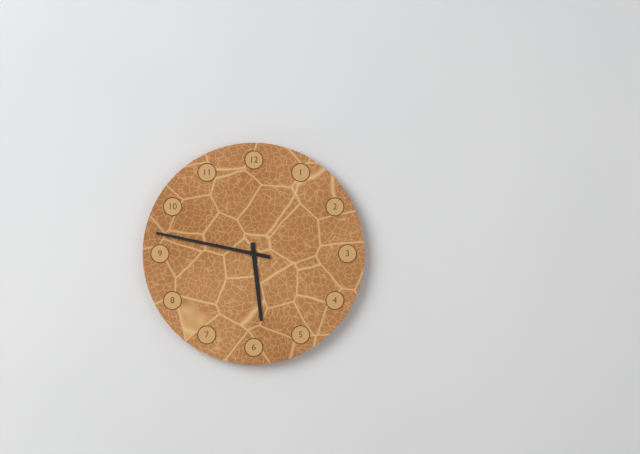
5 h 47 min
